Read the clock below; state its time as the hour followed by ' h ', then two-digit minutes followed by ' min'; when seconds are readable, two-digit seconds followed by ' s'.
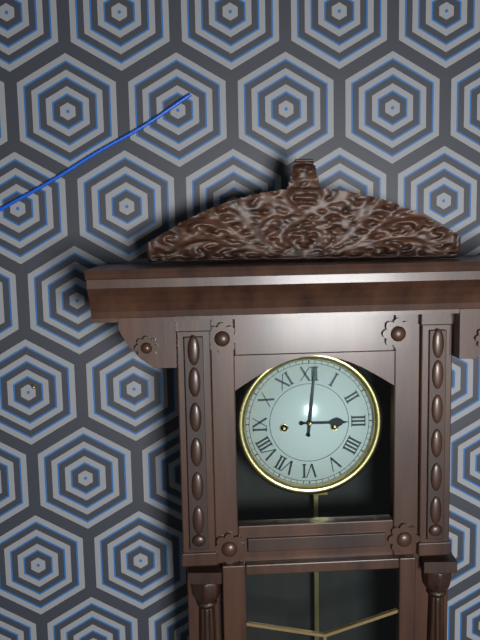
3 h 01 min
